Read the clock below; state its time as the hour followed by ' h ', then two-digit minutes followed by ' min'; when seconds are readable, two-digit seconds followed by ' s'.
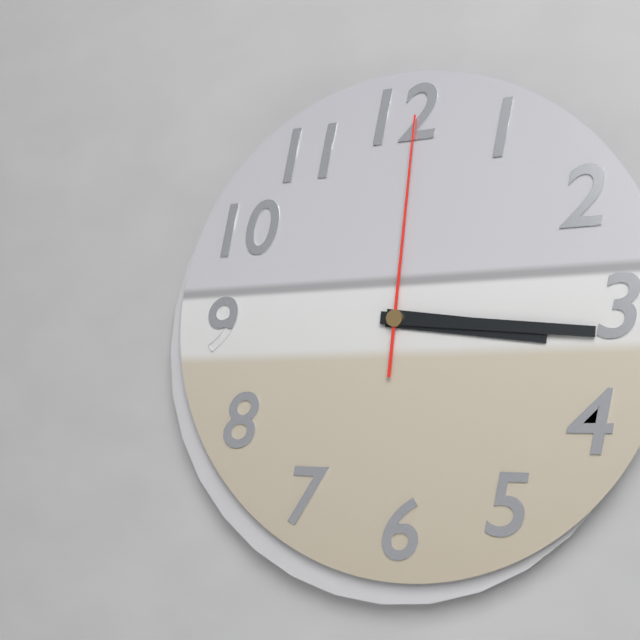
3 h 16 min 01 s
